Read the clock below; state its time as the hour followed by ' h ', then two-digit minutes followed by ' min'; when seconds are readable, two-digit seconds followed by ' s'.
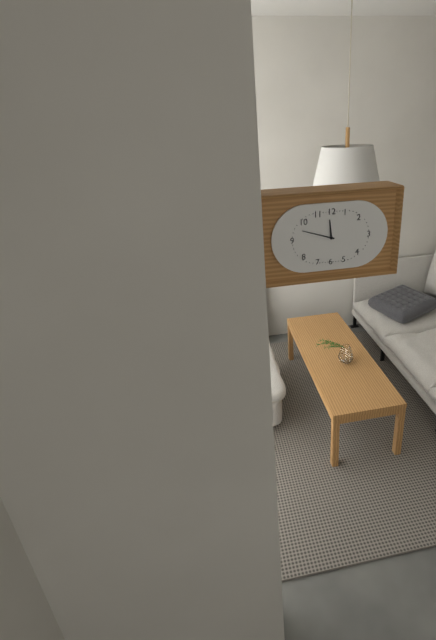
11 h 48 min
